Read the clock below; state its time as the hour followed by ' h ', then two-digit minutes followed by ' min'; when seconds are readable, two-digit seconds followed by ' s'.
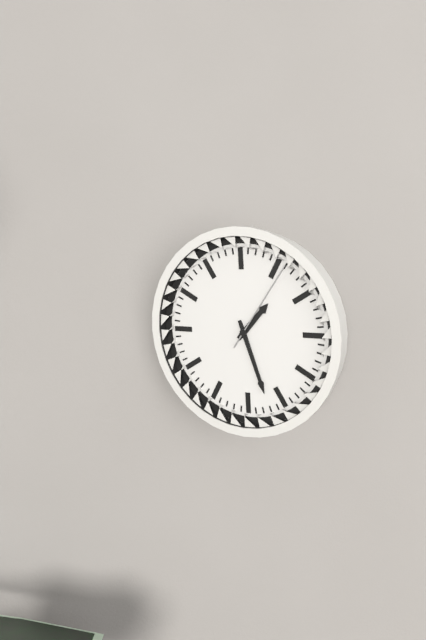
1 h 27 min 06 s
